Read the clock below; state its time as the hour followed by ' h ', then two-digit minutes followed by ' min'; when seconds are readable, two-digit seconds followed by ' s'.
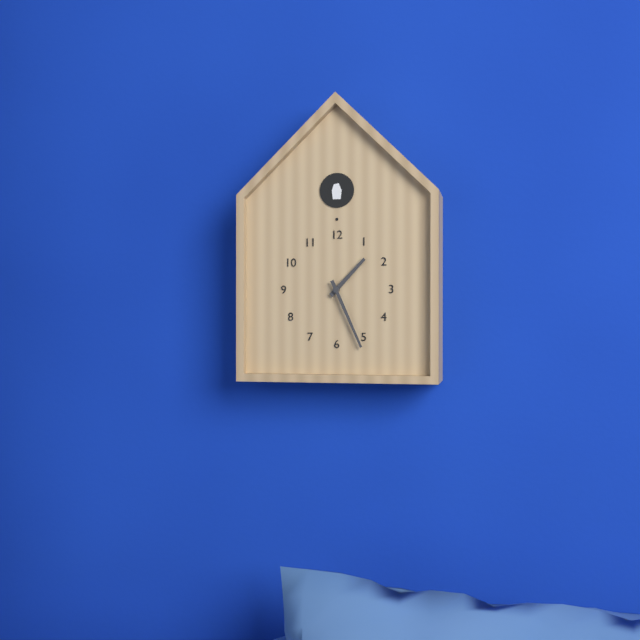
1 h 26 min
